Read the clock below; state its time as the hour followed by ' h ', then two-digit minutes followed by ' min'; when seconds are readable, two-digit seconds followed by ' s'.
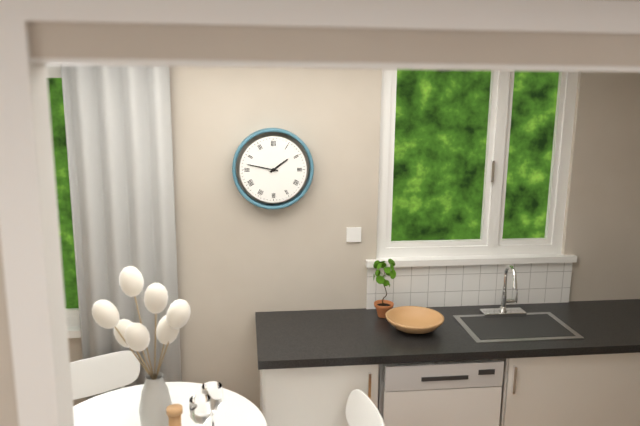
1 h 47 min
